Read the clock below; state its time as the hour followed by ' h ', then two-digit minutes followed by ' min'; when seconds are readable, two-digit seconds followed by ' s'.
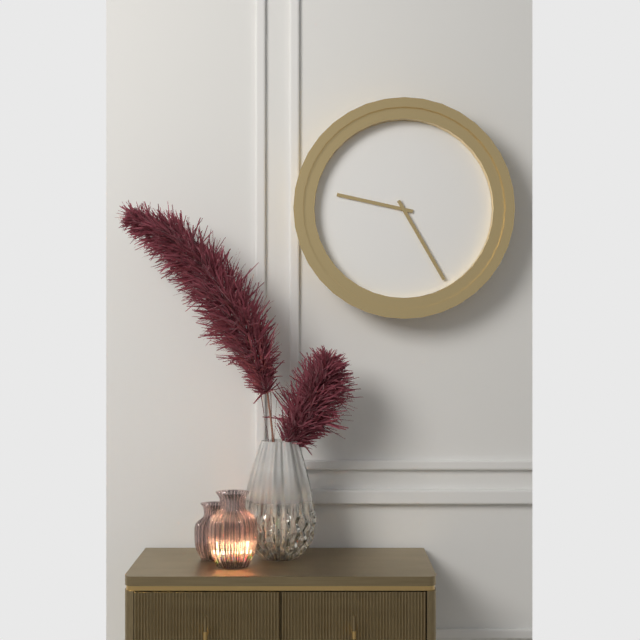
9 h 25 min
